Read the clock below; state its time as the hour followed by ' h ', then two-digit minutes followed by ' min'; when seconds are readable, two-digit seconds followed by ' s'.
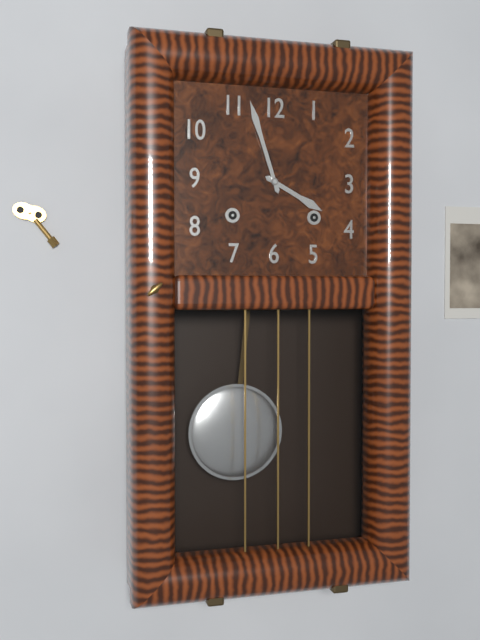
3 h 57 min
